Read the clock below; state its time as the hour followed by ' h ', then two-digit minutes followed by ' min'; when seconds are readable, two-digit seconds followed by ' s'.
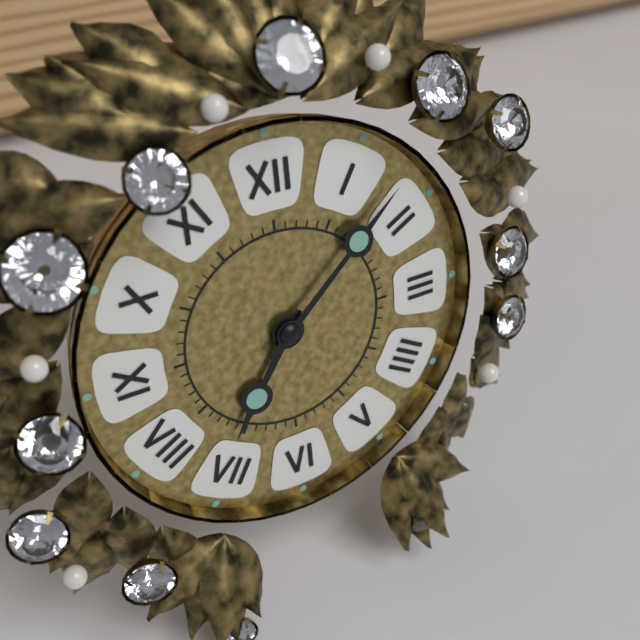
7 h 08 min
